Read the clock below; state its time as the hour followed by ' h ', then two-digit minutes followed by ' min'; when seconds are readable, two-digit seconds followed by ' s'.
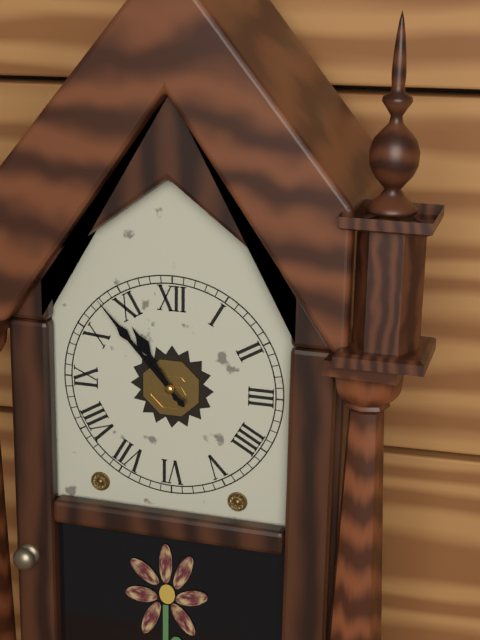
10 h 53 min
